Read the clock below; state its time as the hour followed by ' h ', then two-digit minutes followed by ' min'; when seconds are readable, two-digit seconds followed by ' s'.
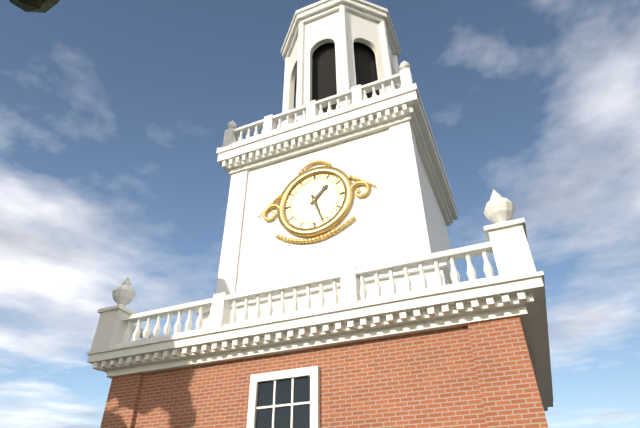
1 h 27 min
